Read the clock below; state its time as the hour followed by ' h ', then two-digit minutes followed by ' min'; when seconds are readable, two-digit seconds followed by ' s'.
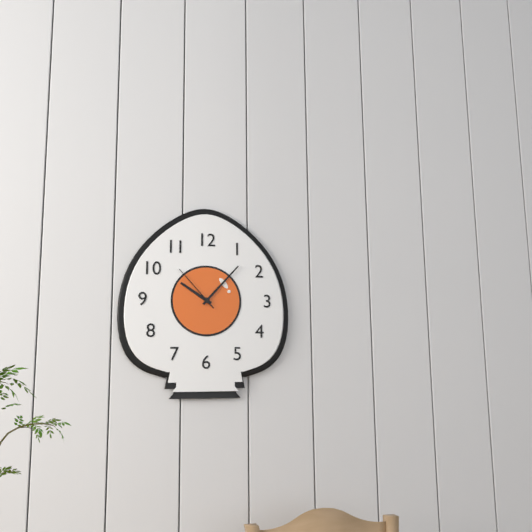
10 h 07 min 53 s
